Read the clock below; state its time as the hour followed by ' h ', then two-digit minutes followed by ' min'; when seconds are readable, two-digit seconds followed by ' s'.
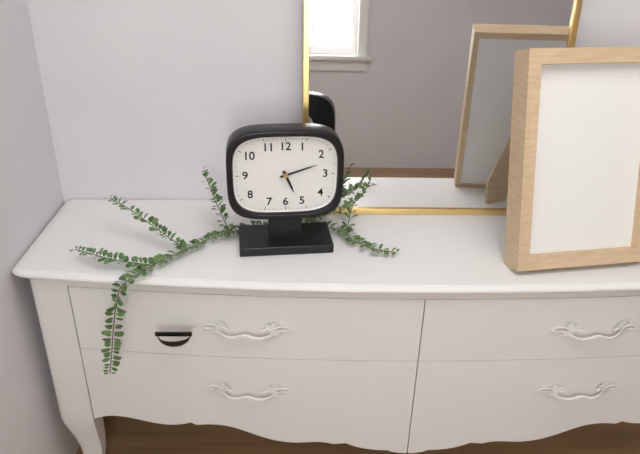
5 h 12 min
